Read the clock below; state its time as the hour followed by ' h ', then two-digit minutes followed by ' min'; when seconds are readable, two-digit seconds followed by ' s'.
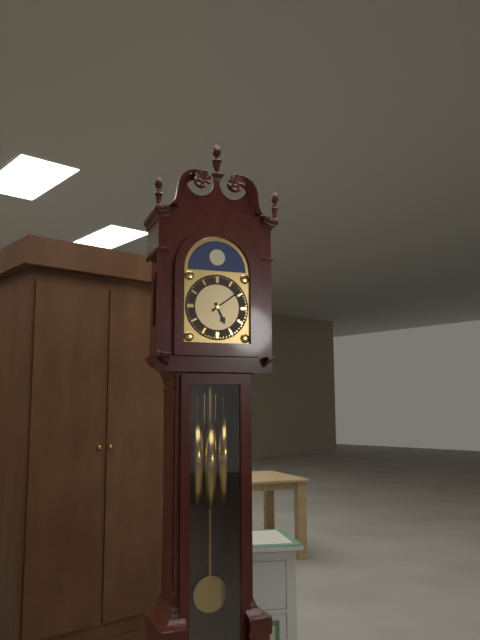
5 h 09 min
